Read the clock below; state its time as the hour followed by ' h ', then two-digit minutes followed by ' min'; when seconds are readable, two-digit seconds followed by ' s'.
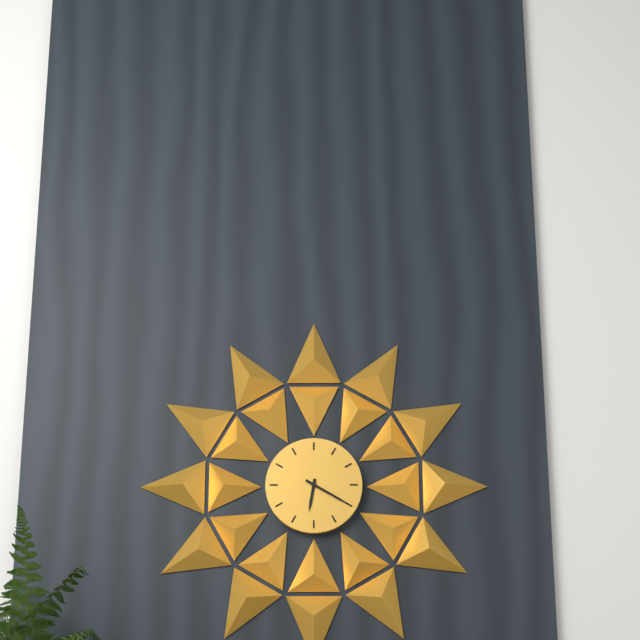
6 h 20 min
